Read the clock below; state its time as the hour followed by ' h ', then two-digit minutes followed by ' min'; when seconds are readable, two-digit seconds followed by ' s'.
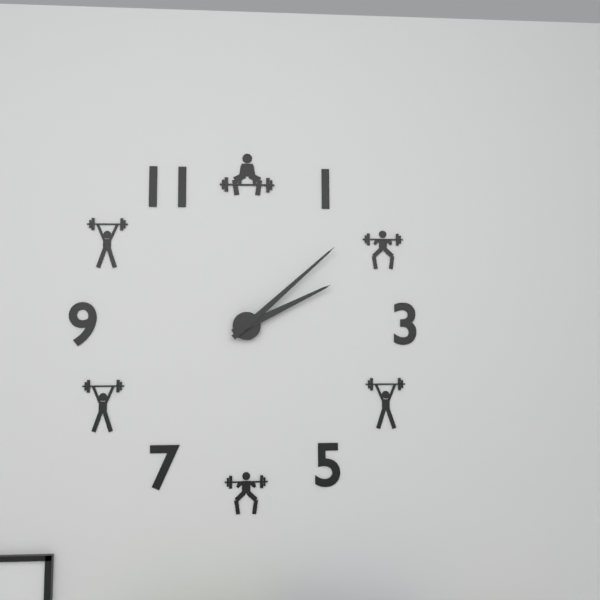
2 h 08 min
